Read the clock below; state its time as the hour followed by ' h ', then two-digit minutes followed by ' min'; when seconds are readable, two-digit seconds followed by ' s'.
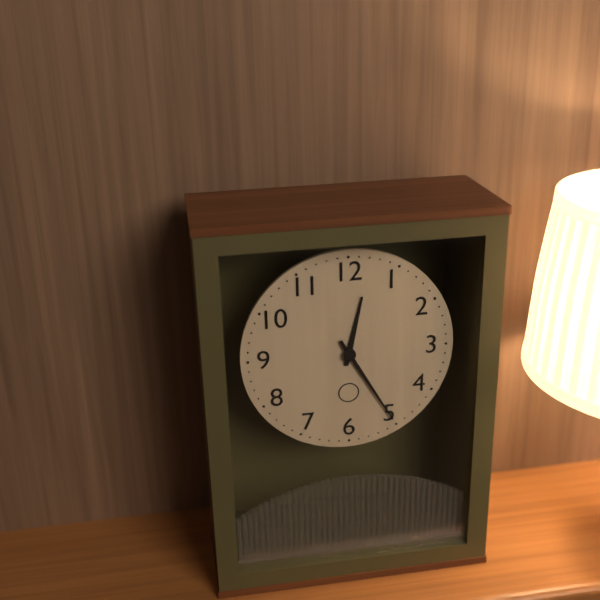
12 h 25 min
